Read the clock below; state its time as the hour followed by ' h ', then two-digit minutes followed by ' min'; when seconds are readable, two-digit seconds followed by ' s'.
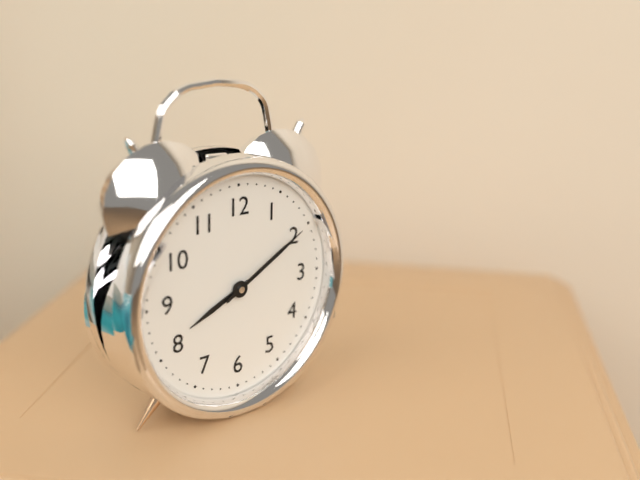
8 h 10 min
